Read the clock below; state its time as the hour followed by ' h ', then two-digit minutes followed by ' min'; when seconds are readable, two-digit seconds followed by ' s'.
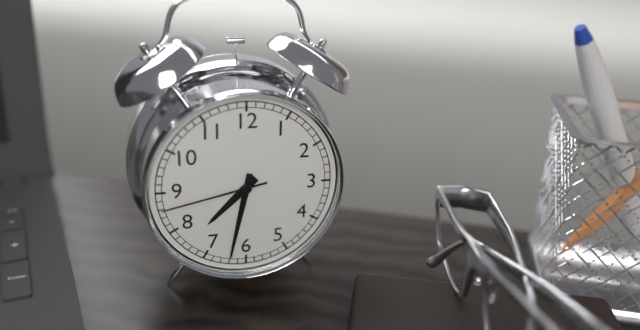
7 h 32 min 43 s
